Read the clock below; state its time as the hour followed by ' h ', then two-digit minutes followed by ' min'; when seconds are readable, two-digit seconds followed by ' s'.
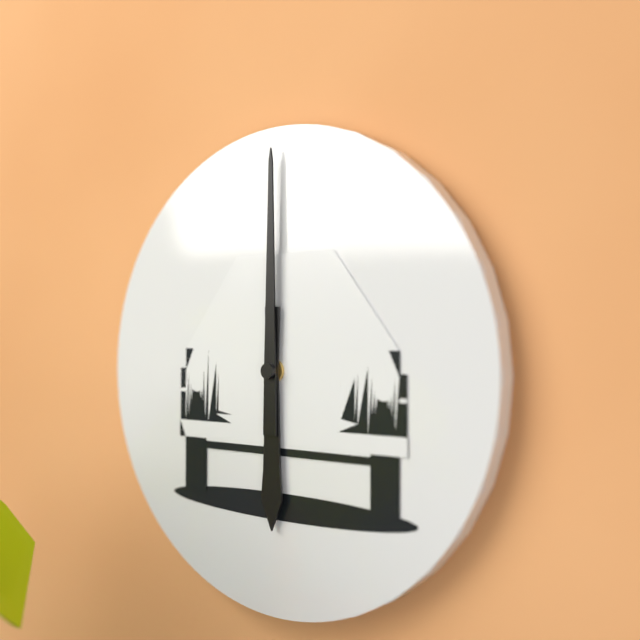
6 h 00 min
